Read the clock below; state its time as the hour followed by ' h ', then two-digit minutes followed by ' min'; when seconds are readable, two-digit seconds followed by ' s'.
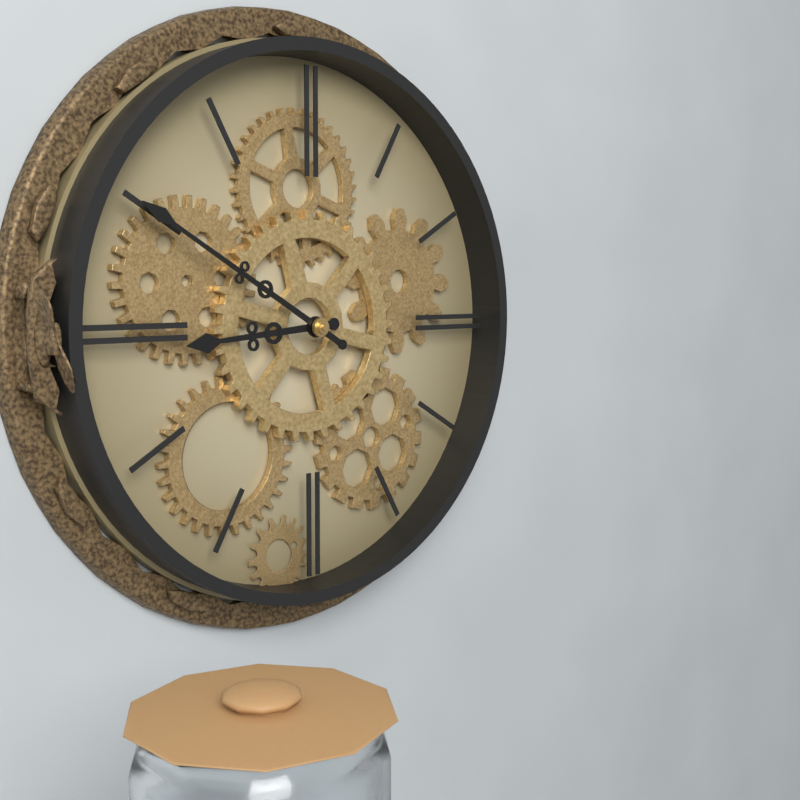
8 h 50 min
